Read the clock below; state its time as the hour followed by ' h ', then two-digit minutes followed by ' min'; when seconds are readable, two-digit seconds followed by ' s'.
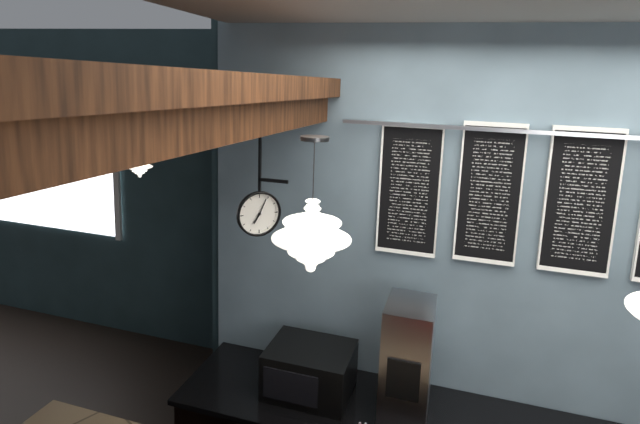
7 h 04 min
